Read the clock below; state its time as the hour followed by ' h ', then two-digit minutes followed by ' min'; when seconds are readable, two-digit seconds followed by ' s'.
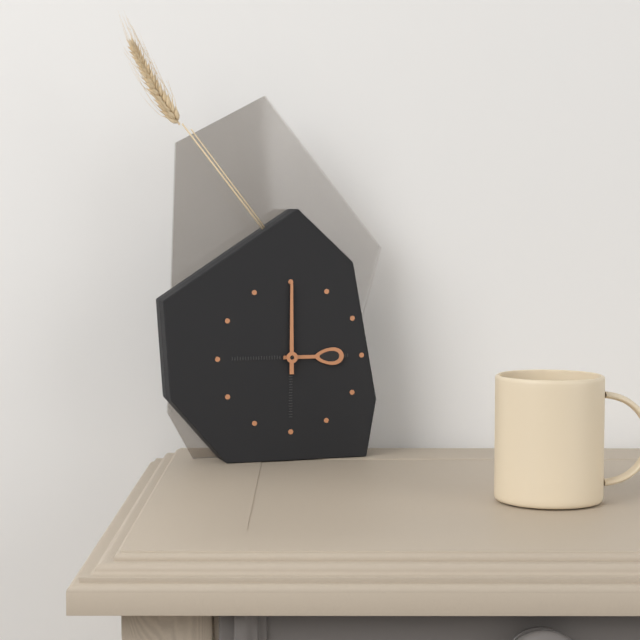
3 h 00 min
